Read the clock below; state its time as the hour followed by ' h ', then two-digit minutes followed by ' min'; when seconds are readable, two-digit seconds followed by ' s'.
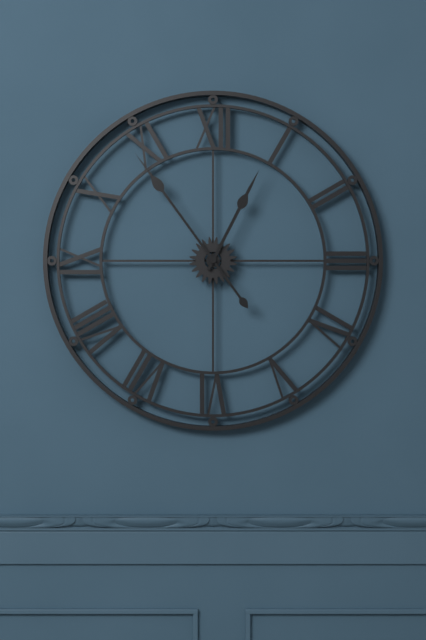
12 h 54 min
